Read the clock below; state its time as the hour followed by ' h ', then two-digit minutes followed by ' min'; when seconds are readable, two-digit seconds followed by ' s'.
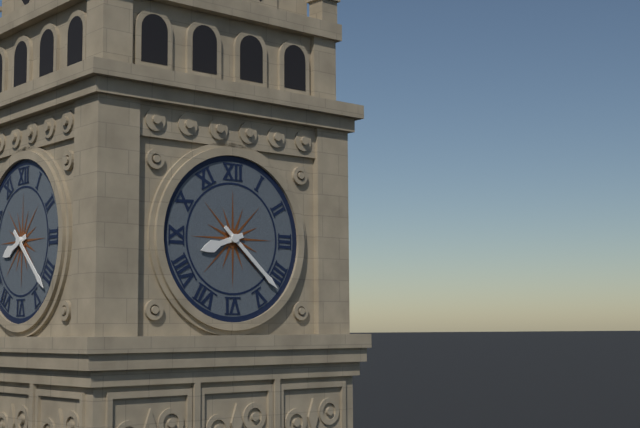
8 h 22 min
